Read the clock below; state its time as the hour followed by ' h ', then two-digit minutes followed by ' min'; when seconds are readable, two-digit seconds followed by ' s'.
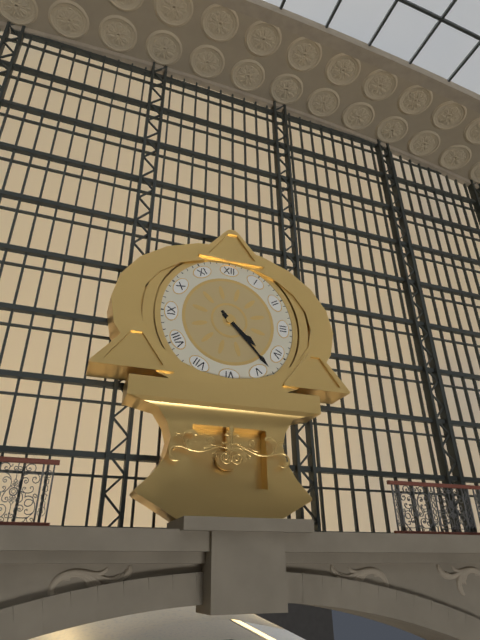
4 h 23 min
